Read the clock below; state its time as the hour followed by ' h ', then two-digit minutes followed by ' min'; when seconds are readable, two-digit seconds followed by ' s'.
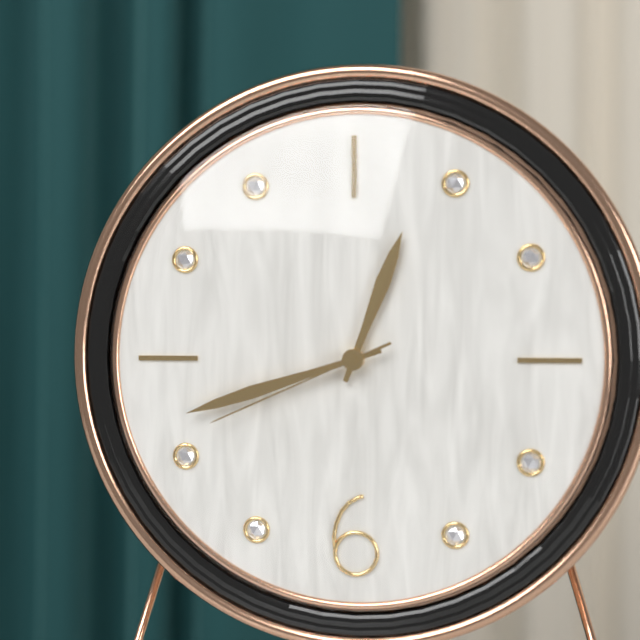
12 h 42 min 41 s
